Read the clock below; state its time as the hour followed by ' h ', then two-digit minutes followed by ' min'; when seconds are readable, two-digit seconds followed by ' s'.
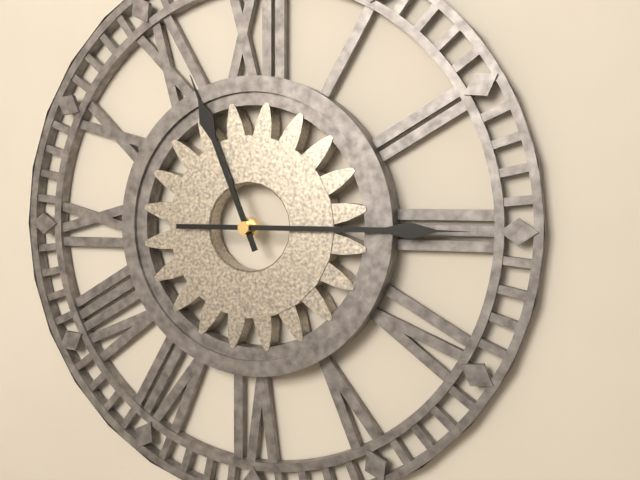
11 h 15 min
